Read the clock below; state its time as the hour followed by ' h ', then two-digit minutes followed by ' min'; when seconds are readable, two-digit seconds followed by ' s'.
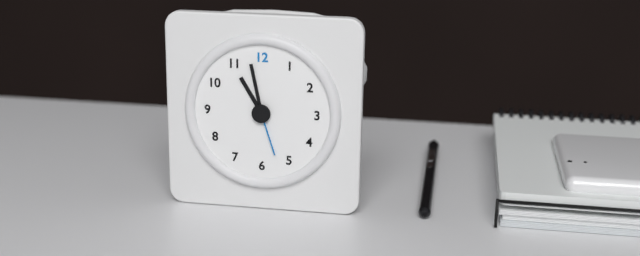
10 h 58 min 27 s
